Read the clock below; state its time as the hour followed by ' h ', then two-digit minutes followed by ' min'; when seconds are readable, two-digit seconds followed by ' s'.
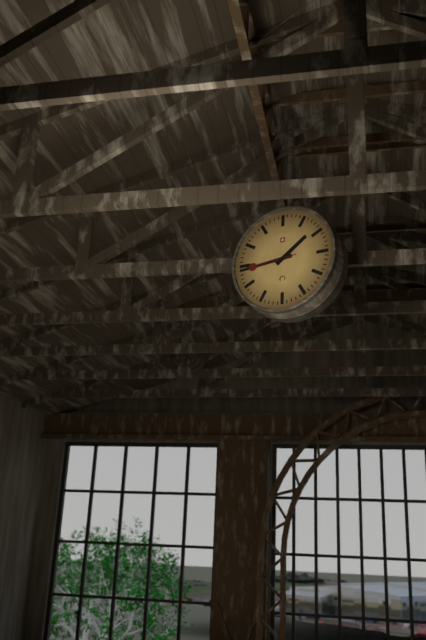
1 h 44 min
